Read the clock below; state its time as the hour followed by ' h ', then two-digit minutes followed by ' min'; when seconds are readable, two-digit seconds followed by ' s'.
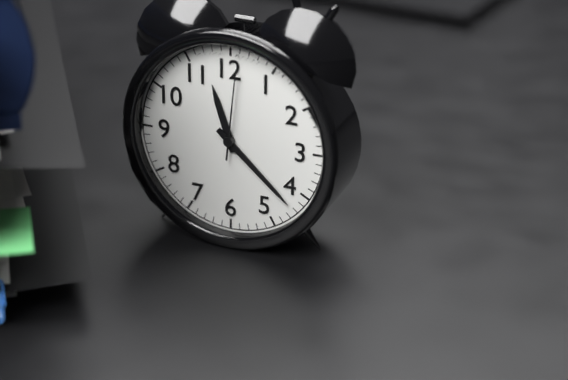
11 h 22 min 01 s
